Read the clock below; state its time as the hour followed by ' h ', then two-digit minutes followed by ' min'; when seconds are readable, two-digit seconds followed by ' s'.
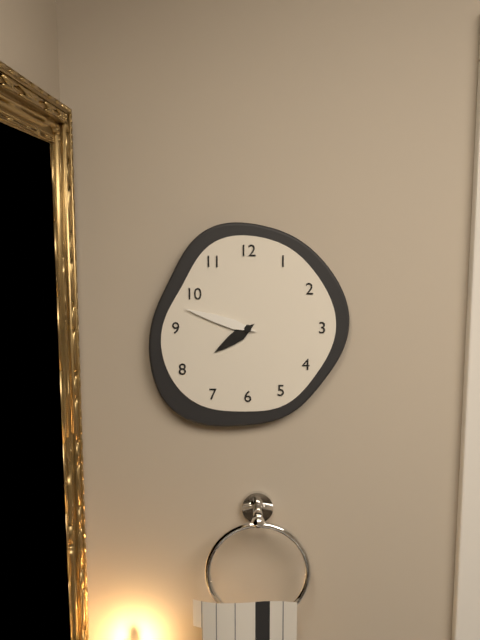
7 h 48 min
